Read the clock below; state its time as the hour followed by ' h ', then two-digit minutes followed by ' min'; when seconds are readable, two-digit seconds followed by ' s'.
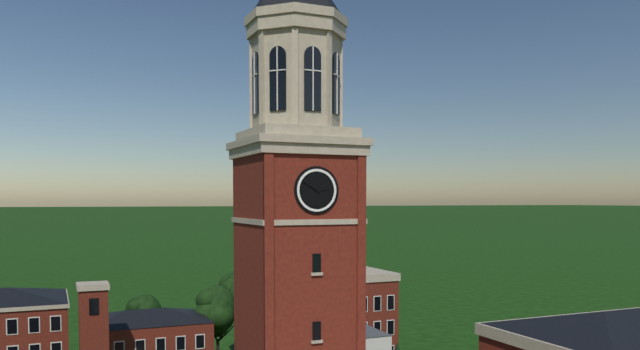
2 h 50 min
